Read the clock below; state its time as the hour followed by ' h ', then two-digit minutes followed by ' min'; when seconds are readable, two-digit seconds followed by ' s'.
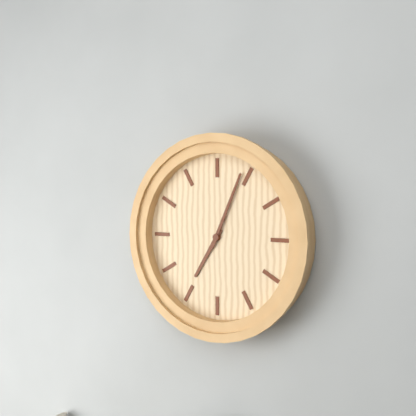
7 h 04 min
